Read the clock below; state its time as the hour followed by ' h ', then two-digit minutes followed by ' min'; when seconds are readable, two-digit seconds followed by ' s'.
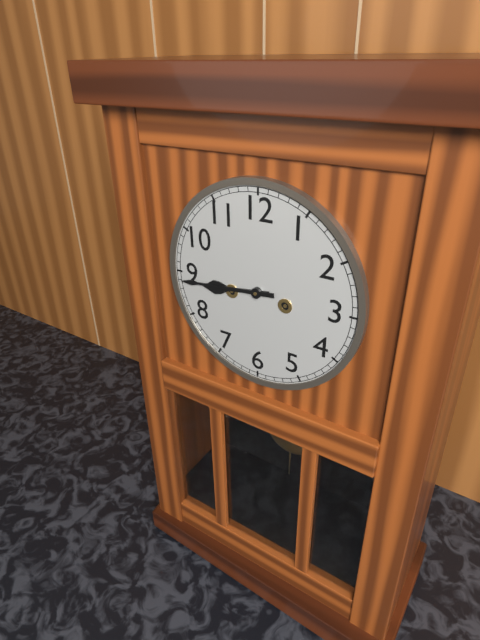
8 h 44 min
